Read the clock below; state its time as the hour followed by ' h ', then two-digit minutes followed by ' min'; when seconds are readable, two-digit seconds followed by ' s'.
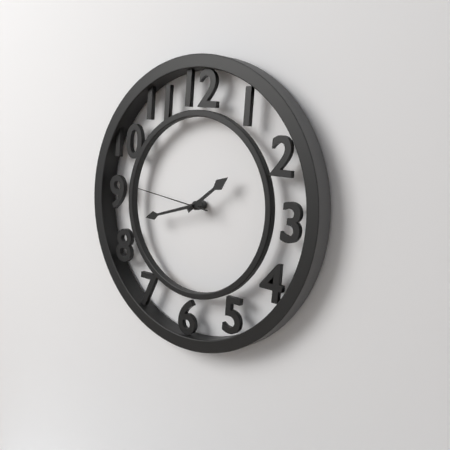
1 h 42 min 46 s
